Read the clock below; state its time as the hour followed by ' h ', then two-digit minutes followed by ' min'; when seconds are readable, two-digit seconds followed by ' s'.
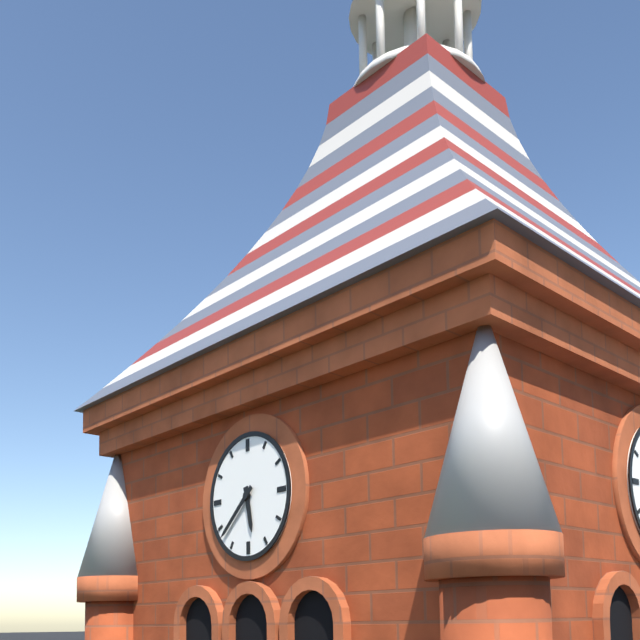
5 h 38 min
